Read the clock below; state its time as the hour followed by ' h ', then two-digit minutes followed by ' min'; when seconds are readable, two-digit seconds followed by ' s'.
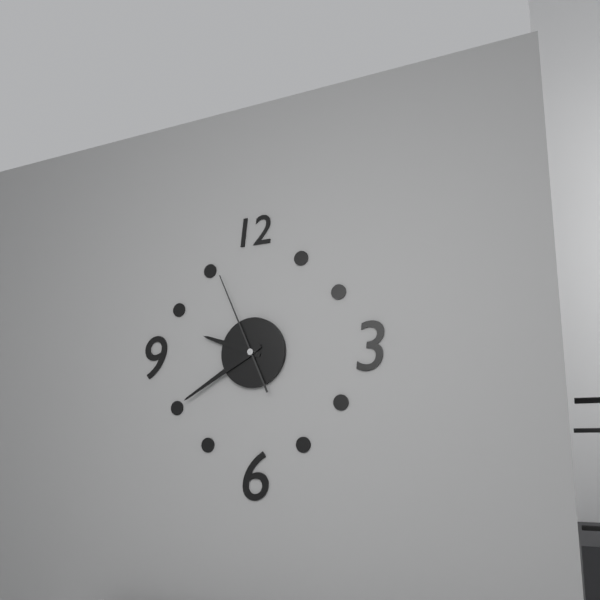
9 h 40 min 56 s
